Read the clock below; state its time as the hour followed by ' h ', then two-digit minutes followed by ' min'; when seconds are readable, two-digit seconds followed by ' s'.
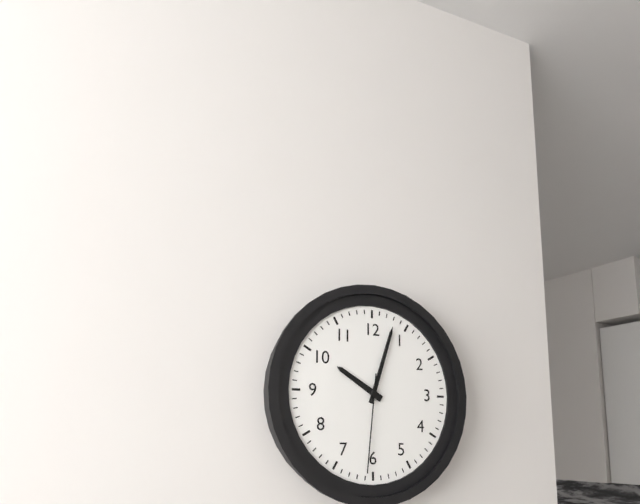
10 h 03 min 31 s
